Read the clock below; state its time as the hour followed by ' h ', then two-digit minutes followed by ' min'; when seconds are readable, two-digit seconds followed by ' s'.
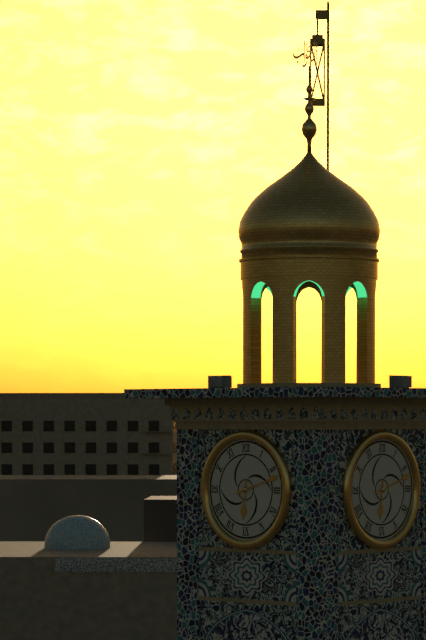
6 h 12 min
